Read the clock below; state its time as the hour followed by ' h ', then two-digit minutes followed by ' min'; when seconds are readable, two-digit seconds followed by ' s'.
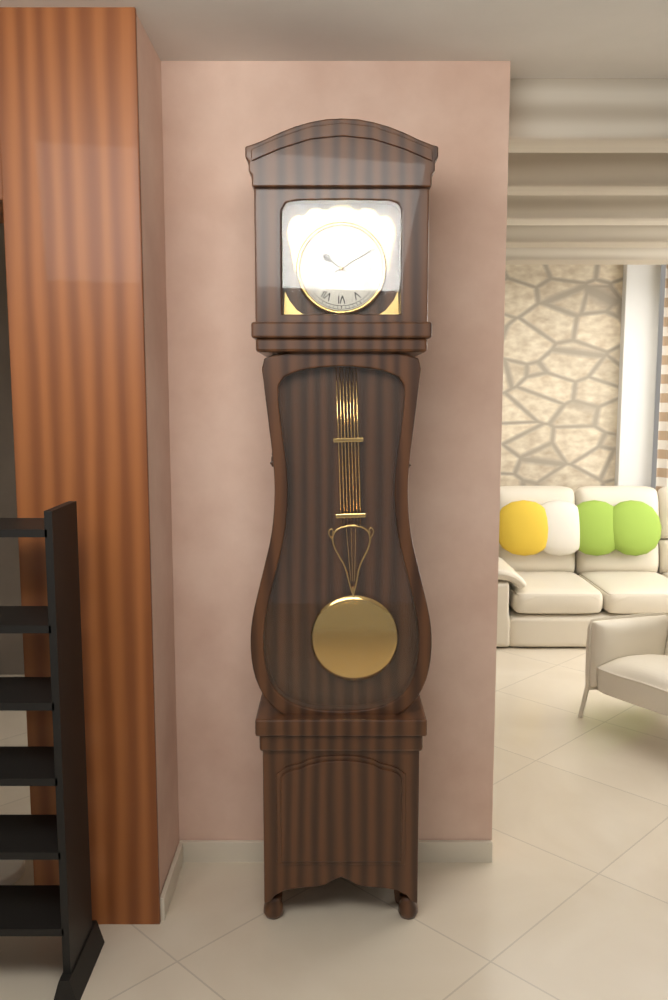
10 h 10 min
